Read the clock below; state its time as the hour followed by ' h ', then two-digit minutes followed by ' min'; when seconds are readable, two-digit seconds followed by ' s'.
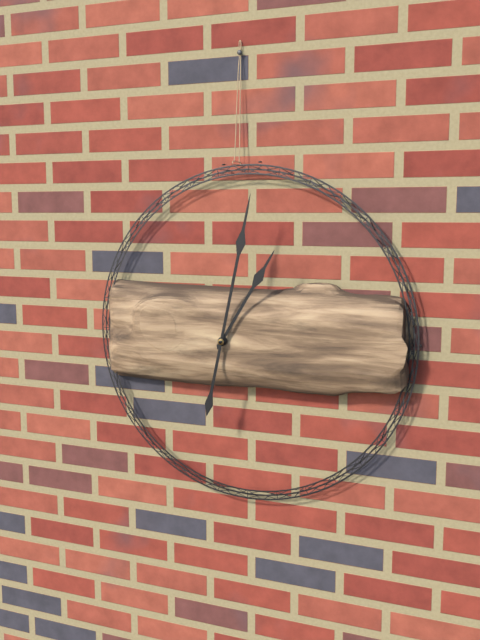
1 h 02 min
